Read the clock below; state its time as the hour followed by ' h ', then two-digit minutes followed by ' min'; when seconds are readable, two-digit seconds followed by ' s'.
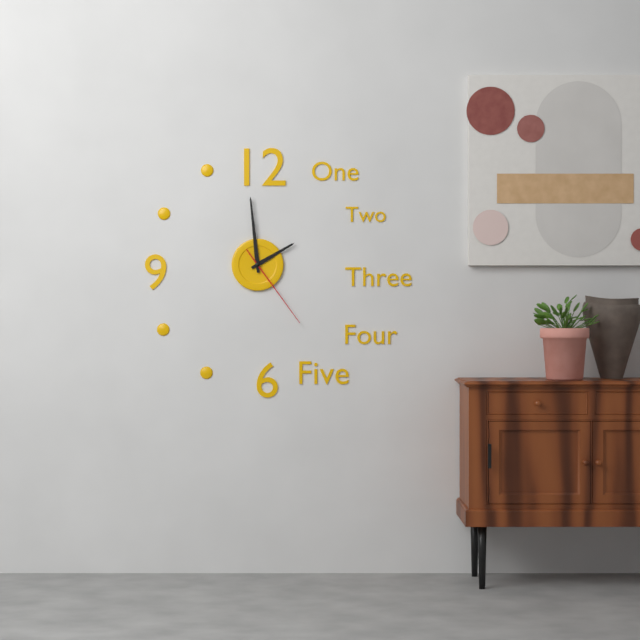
1 h 59 min 24 s
